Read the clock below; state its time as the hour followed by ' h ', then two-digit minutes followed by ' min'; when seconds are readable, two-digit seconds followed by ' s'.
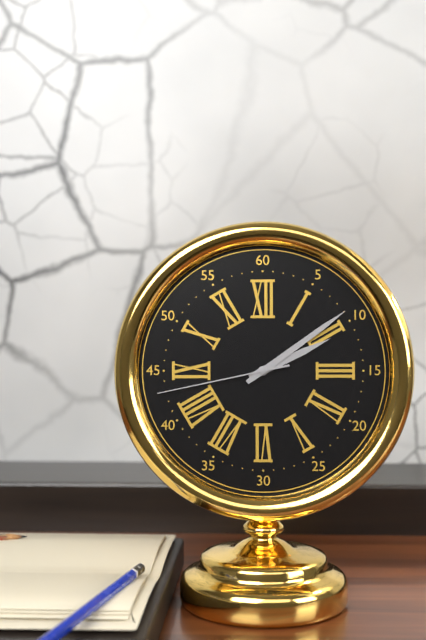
2 h 09 min 43 s
